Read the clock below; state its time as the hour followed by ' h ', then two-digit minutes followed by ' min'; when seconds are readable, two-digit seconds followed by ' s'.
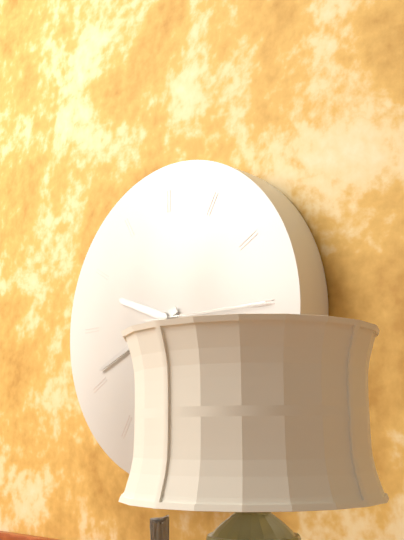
9 h 41 min 15 s
